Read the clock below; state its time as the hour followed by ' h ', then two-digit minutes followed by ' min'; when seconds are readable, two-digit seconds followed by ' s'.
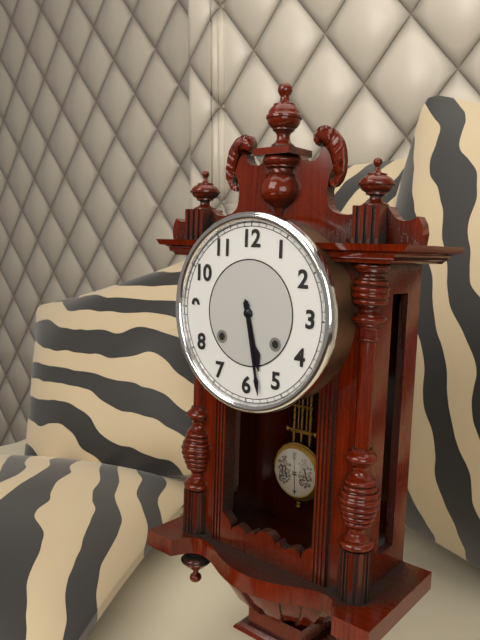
5 h 28 min
